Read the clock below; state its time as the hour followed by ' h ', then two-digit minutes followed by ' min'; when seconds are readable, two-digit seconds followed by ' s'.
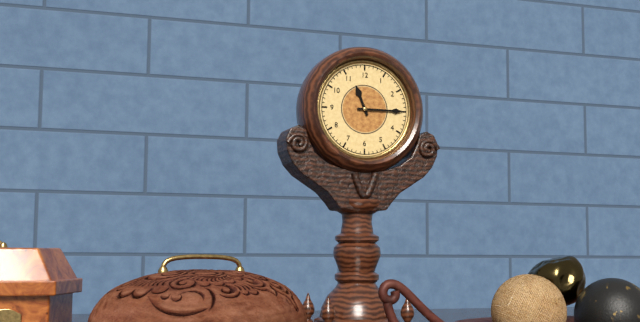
11 h 15 min
